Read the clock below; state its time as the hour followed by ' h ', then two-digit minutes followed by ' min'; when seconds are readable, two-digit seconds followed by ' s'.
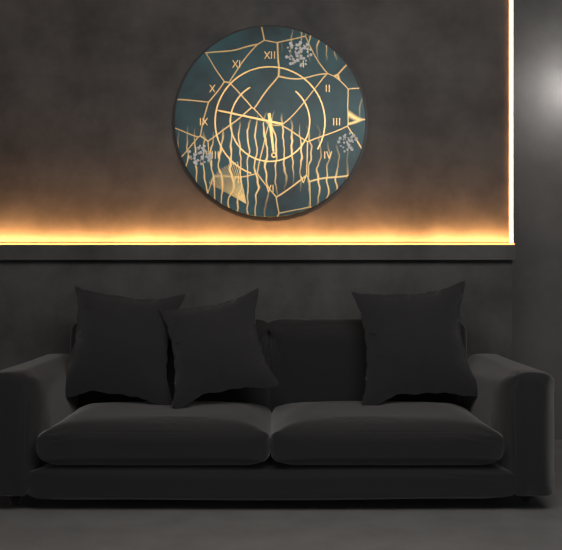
5 h 47 min
